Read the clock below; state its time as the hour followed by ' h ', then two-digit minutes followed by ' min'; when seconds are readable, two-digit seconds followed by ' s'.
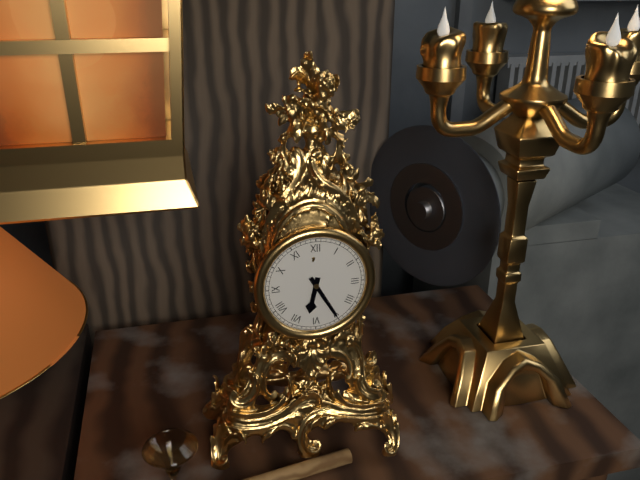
6 h 25 min
